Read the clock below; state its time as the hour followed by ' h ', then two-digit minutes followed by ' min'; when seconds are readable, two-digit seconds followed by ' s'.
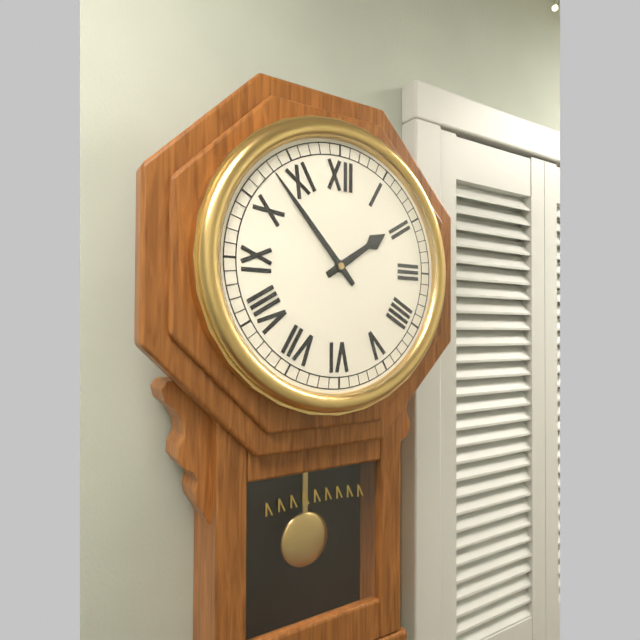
1 h 53 min
